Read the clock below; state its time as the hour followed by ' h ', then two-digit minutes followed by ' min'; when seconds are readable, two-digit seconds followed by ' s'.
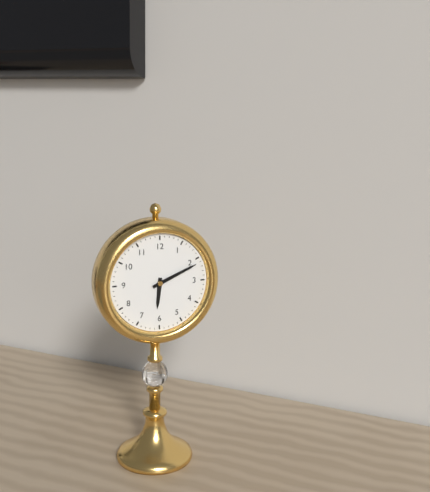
6 h 11 min
